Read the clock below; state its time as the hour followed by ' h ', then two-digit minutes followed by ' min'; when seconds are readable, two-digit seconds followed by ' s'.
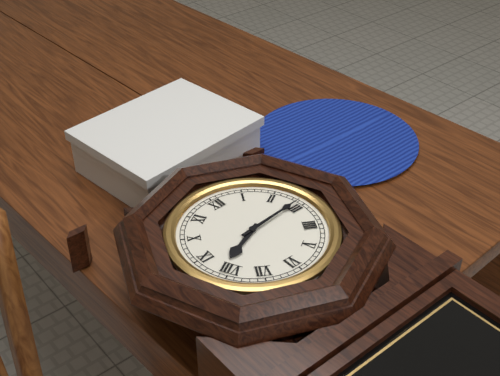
8 h 14 min
